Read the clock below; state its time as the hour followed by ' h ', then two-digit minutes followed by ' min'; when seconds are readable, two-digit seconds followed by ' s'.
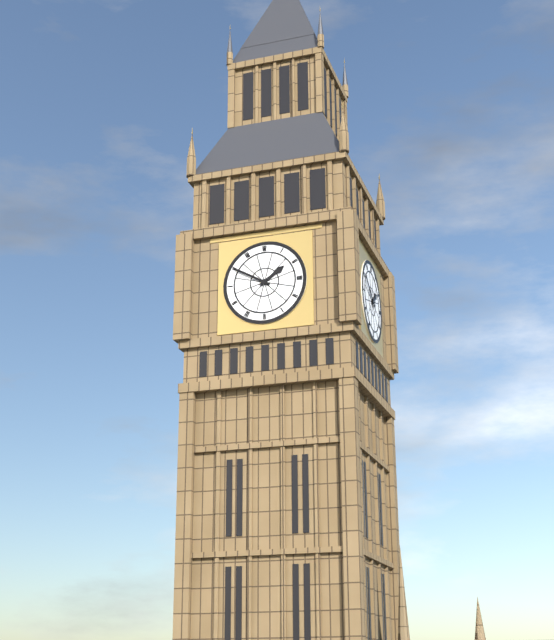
1 h 50 min
